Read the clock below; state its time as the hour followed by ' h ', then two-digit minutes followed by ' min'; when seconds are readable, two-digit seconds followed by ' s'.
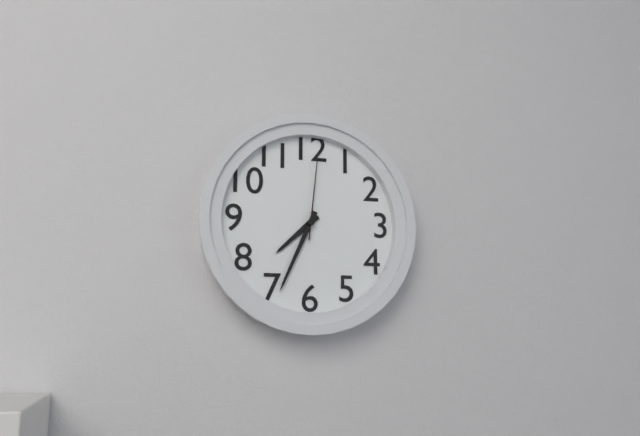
7 h 34 min 01 s
